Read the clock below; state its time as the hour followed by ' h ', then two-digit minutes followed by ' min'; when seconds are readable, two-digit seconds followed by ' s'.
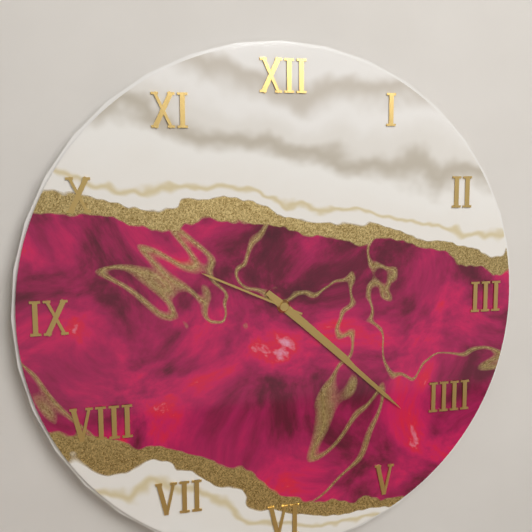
4 h 22 min 49 s
